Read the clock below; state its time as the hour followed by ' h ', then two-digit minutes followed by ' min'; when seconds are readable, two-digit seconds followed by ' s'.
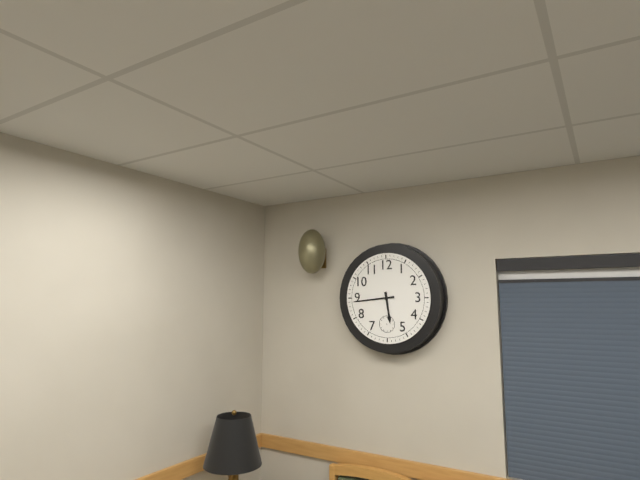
5 h 44 min
